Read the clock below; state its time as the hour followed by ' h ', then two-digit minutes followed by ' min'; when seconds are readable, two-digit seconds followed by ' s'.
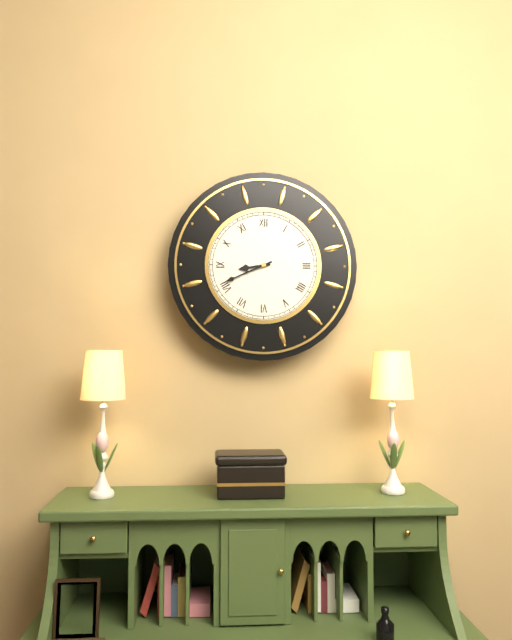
8 h 41 min
